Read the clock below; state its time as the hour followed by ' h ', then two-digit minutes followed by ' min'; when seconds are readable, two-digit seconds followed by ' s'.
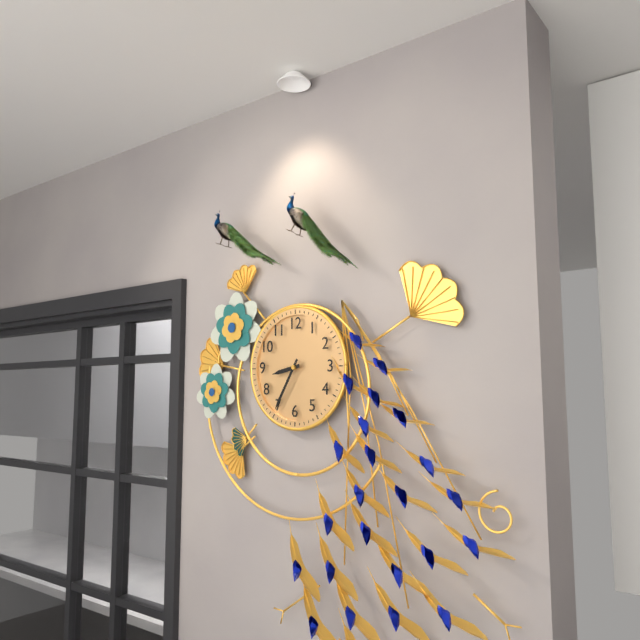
8 h 35 min
